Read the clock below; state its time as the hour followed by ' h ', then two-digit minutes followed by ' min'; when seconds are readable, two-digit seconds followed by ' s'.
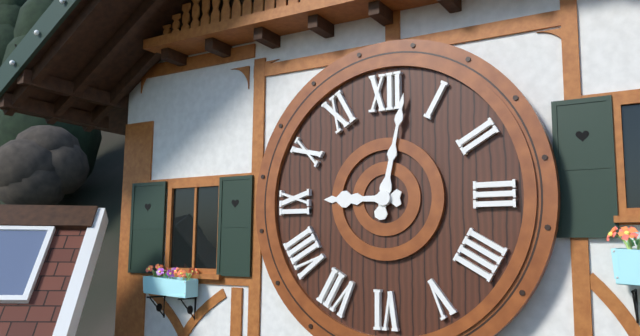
9 h 02 min
